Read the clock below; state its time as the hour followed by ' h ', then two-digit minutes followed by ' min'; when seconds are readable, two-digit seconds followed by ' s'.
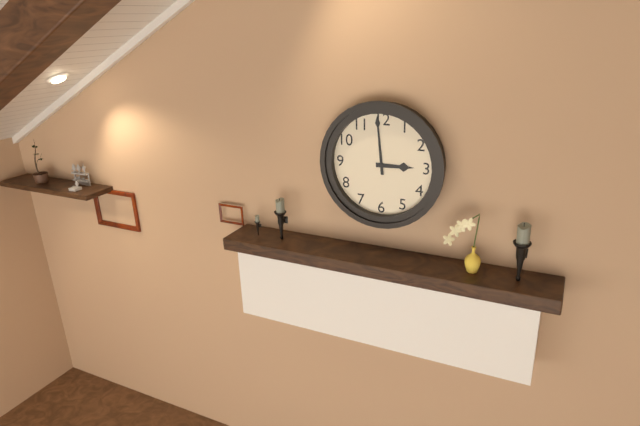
2 h 59 min
